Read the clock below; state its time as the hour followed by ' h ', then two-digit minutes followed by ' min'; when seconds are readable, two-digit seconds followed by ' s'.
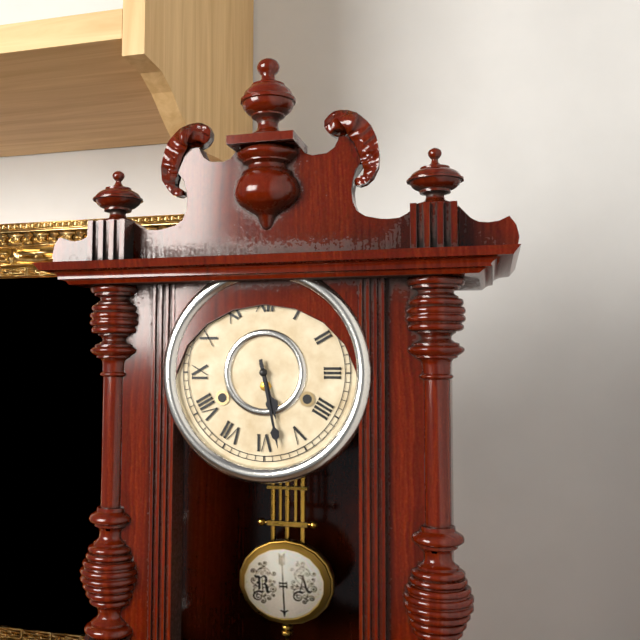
5 h 28 min
